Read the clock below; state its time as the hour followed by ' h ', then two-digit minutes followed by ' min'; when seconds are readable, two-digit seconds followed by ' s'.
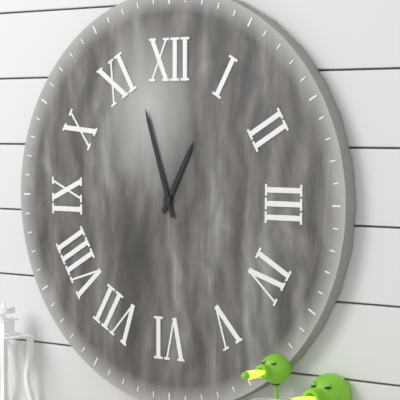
12 h 57 min
